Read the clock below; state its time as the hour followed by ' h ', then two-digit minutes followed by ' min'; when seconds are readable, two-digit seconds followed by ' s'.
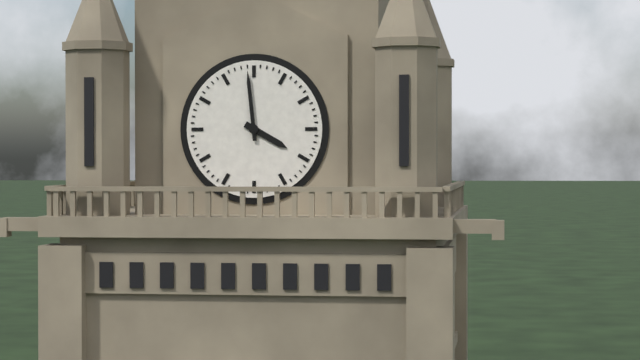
3 h 59 min
